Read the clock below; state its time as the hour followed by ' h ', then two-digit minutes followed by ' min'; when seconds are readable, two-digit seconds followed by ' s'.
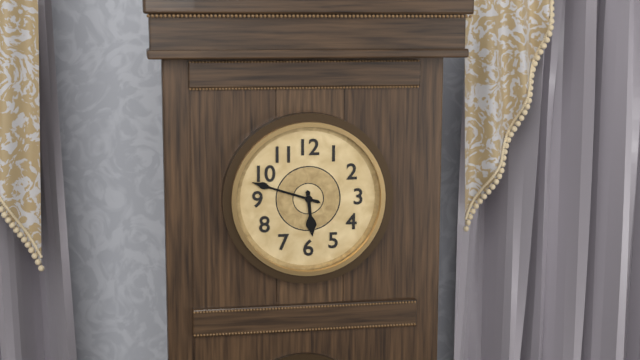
5 h 48 min
